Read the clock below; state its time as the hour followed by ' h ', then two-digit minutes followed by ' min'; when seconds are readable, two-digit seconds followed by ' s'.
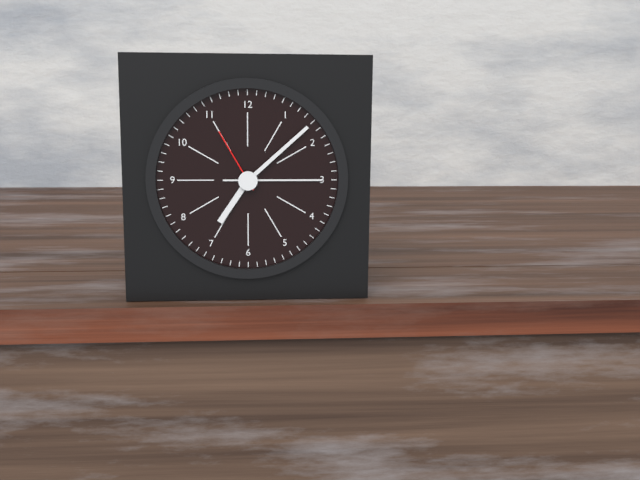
7 h 08 min 55 s
